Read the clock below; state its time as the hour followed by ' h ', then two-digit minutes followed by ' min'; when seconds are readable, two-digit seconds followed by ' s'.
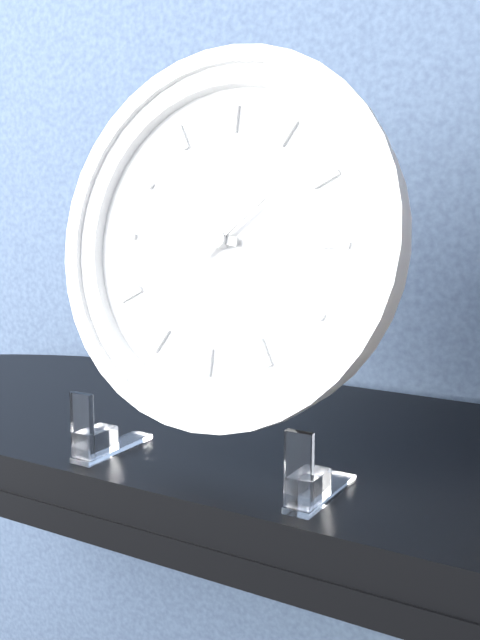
9 h 08 min
